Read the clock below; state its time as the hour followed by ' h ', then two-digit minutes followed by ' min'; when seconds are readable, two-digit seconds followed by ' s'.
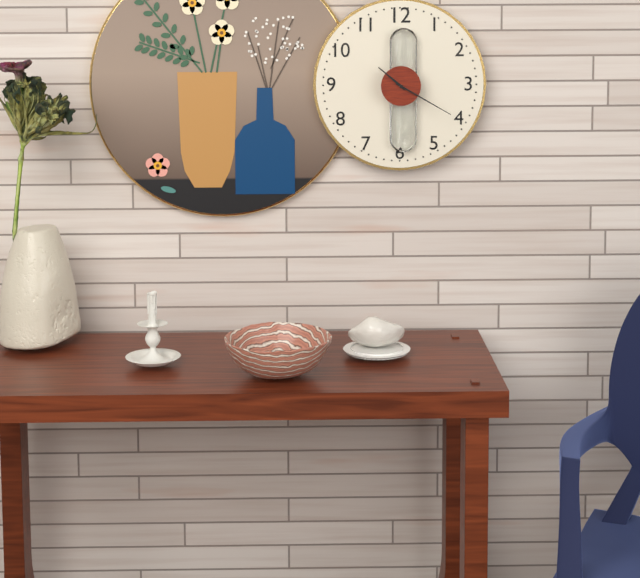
10 h 20 min
